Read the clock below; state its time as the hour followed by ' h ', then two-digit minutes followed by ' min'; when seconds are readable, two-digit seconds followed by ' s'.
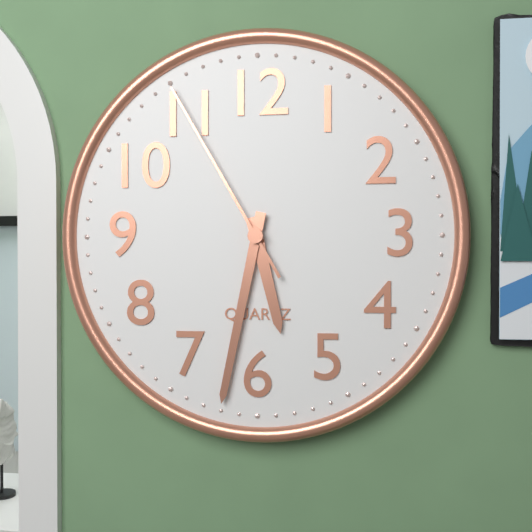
5 h 32 min 55 s
